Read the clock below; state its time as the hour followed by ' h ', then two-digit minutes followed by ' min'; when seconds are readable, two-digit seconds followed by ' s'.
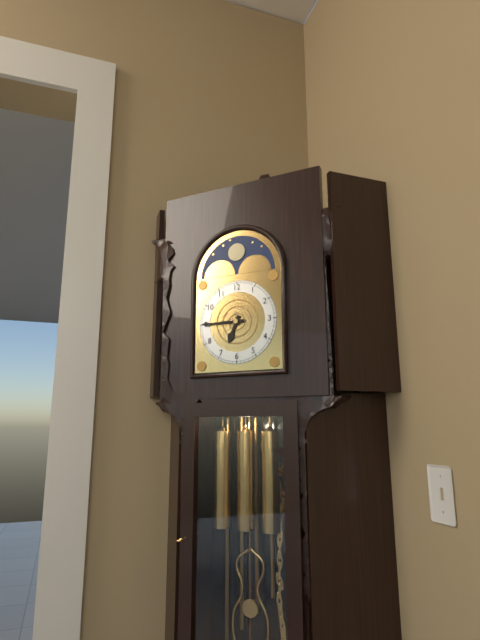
6 h 45 min
